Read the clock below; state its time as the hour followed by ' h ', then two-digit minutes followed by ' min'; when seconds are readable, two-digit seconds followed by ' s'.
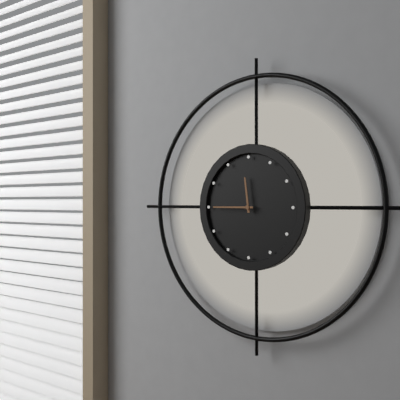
11 h 45 min
